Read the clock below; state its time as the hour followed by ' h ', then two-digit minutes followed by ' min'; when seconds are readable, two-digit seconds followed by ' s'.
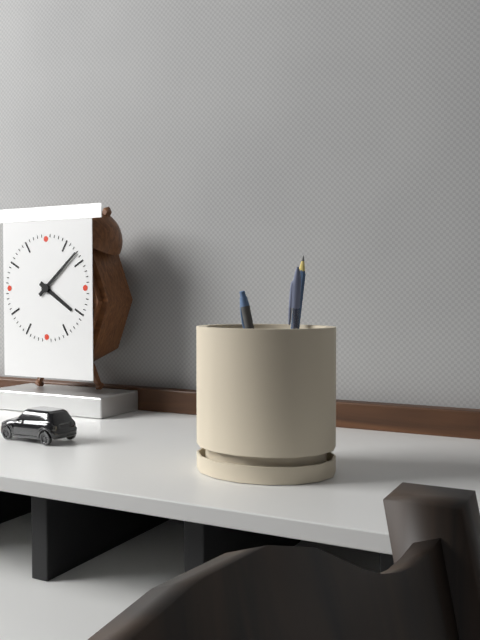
4 h 08 min
